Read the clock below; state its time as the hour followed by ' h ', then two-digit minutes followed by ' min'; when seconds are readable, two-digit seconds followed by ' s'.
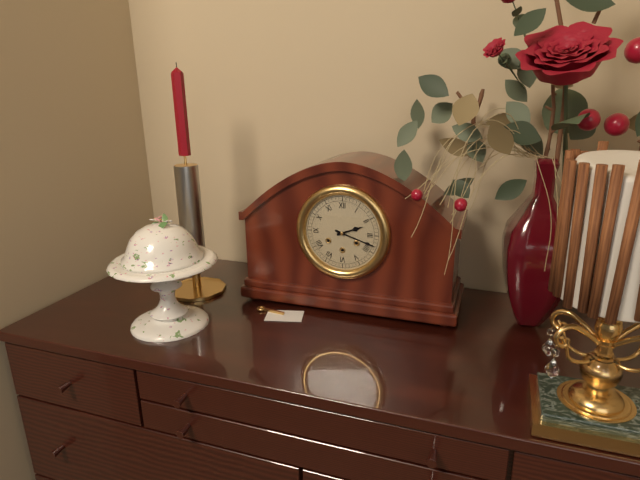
2 h 18 min
